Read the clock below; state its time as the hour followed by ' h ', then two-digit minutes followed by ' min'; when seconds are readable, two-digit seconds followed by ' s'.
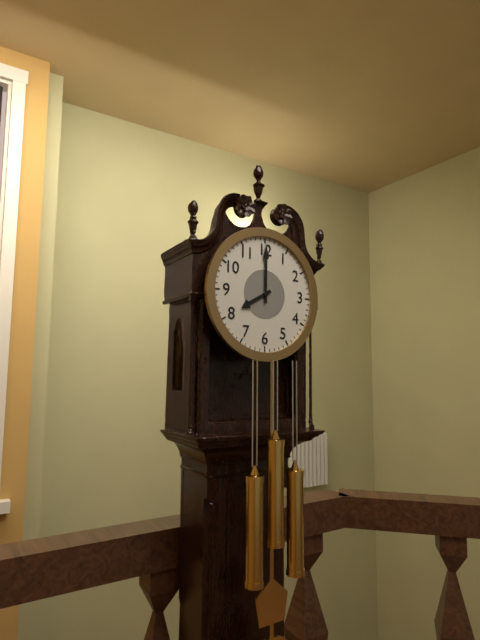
8 h 00 min
